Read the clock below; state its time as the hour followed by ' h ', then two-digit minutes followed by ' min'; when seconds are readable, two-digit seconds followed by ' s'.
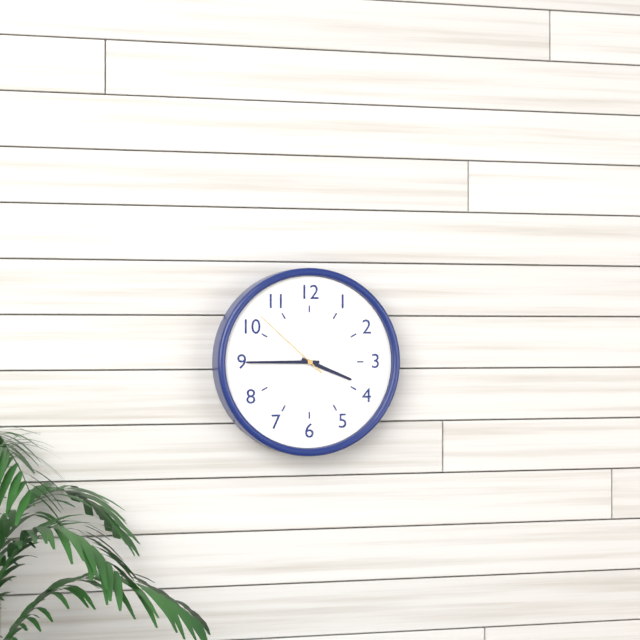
3 h 45 min 52 s
